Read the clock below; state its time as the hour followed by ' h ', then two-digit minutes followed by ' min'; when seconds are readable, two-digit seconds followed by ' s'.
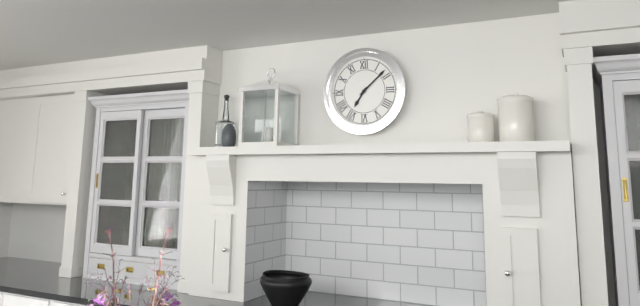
7 h 08 min
